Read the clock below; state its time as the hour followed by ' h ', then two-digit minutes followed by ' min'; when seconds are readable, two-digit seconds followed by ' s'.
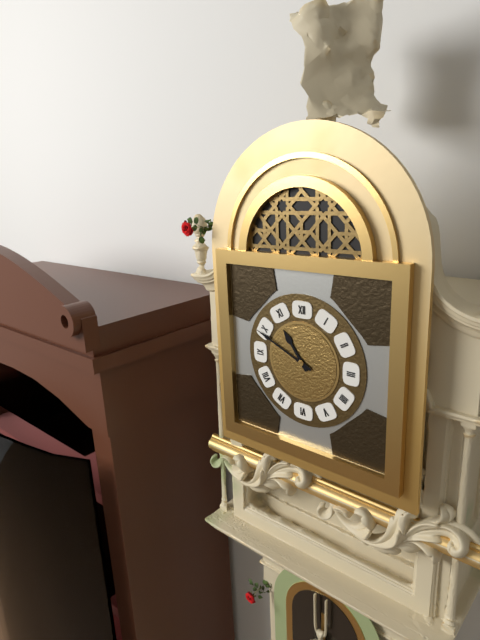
10 h 49 min
